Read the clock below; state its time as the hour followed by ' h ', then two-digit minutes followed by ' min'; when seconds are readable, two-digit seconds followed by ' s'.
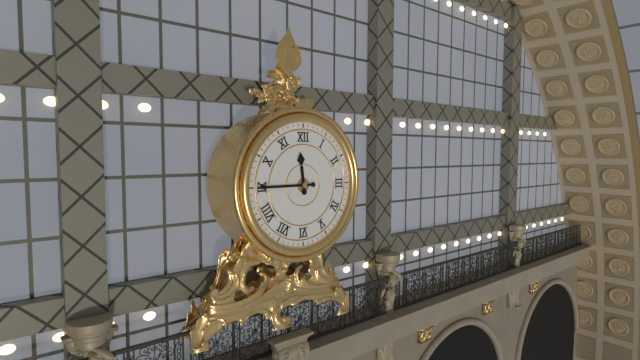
11 h 45 min
